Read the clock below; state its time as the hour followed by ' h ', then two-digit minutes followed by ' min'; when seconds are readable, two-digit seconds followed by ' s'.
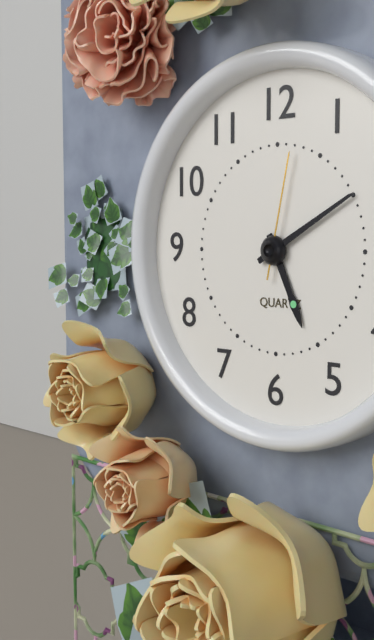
5 h 10 min 02 s
